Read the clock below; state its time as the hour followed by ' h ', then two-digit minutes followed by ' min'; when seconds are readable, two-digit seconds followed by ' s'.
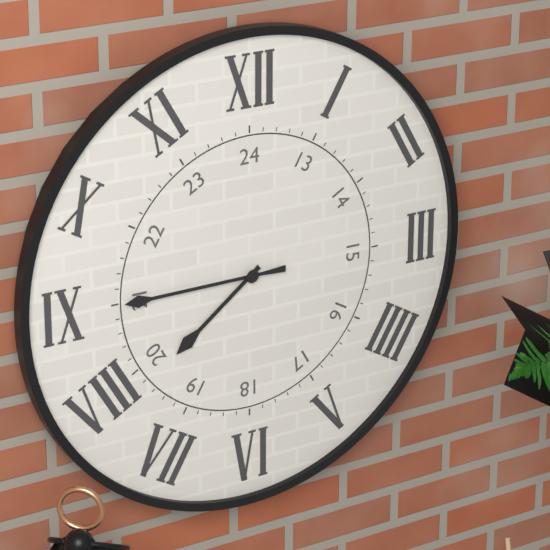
7 h 45 min
